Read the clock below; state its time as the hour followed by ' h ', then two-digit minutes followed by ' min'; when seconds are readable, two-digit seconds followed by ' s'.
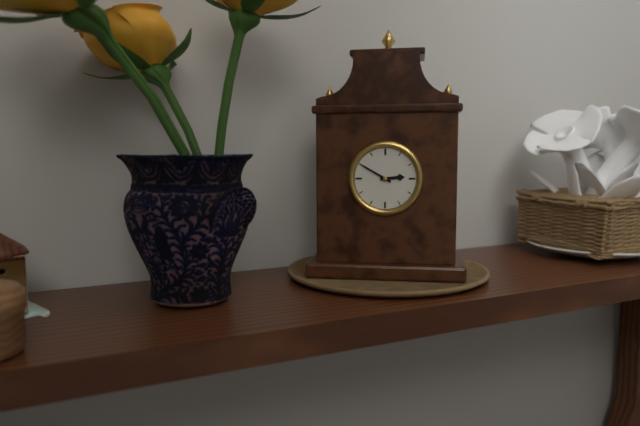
2 h 50 min
